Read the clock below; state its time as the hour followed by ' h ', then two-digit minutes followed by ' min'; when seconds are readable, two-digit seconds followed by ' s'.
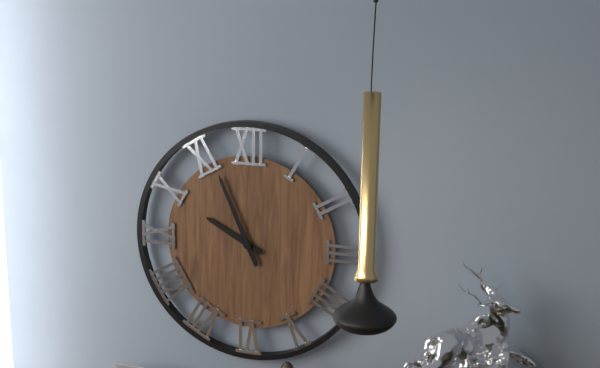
9 h 56 min
